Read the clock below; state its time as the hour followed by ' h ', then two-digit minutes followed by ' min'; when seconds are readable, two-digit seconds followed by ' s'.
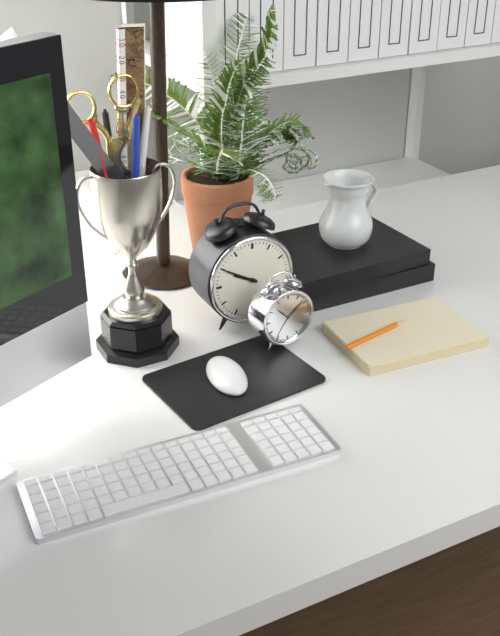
9 h 50 min
